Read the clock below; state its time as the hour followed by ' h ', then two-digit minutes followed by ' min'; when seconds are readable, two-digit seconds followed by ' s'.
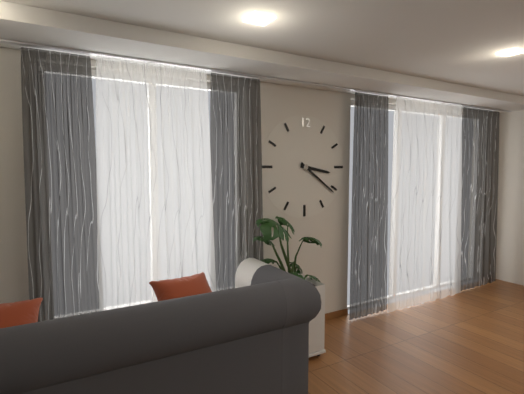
3 h 21 min
